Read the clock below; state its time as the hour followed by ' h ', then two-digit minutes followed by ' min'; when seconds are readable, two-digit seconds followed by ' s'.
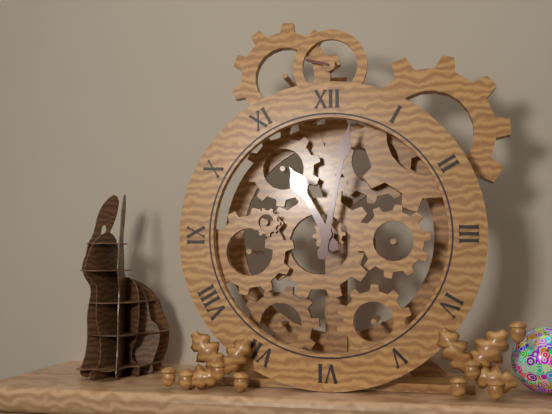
11 h 02 min
